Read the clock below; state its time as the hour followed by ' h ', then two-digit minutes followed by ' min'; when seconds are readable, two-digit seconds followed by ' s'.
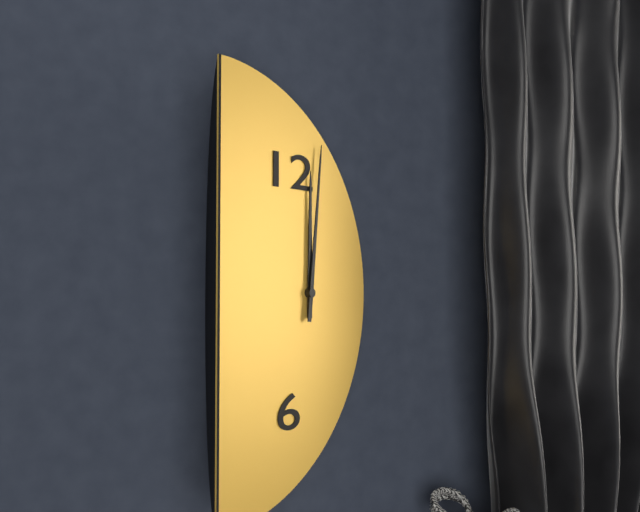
12 h 01 min
